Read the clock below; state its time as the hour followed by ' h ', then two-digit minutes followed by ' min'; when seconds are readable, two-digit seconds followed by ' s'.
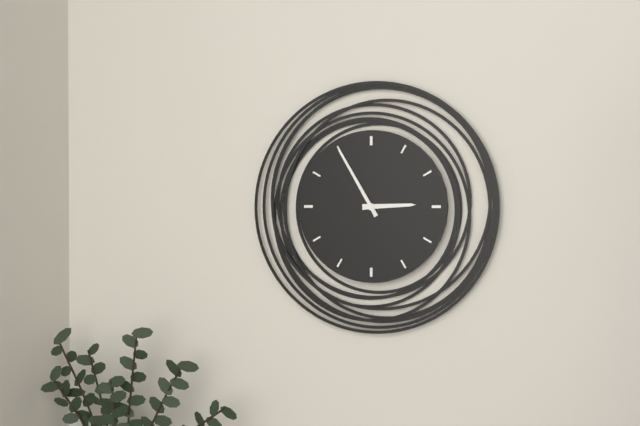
2 h 55 min
